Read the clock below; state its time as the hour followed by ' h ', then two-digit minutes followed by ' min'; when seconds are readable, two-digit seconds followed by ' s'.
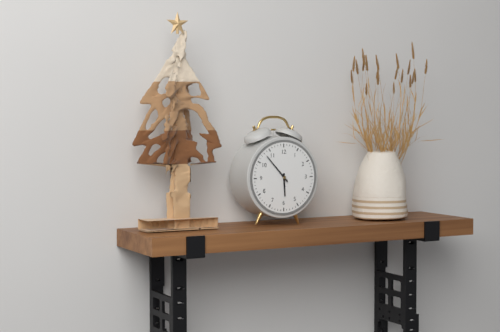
5 h 53 min
